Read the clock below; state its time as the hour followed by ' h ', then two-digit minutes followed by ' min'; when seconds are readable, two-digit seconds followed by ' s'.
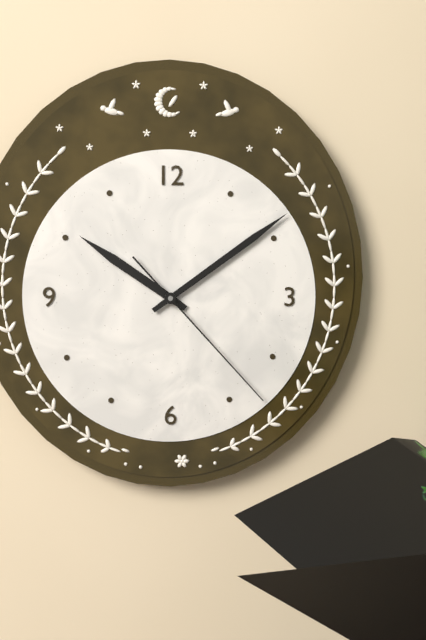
10 h 09 min 23 s
